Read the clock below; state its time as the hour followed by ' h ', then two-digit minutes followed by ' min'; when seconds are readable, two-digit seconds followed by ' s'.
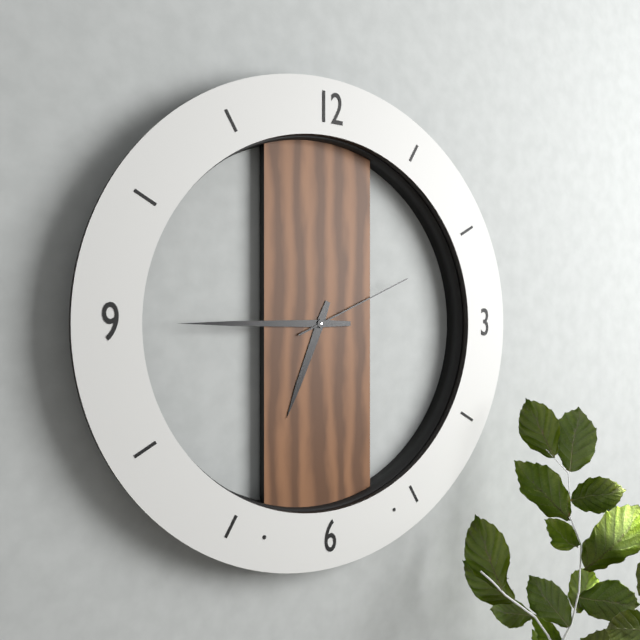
6 h 45 min 11 s
